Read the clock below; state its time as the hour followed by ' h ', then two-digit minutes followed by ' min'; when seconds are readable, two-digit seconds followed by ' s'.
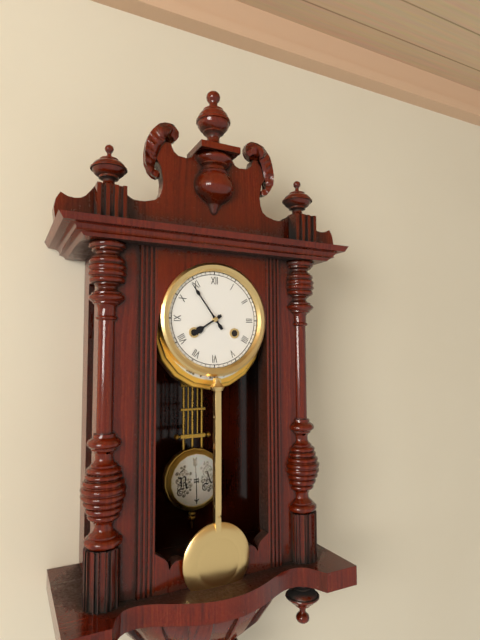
7 h 54 min
